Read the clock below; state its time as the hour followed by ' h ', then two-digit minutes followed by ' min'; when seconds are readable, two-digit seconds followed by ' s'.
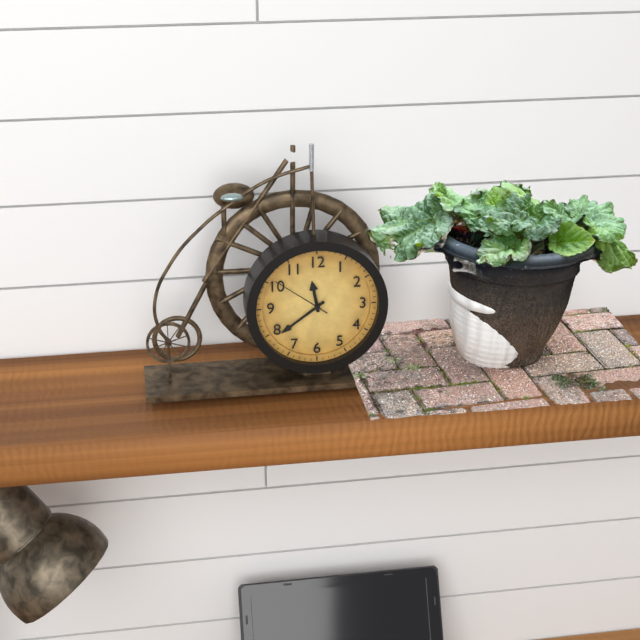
11 h 39 min 51 s
